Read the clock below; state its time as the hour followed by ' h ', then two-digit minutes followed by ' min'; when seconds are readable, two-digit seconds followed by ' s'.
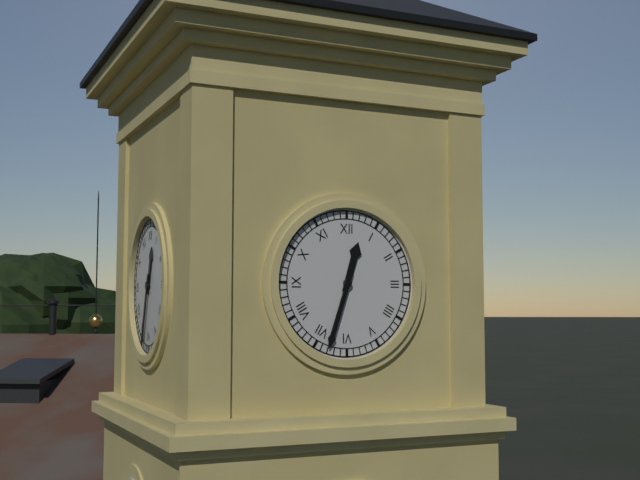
12 h 33 min
